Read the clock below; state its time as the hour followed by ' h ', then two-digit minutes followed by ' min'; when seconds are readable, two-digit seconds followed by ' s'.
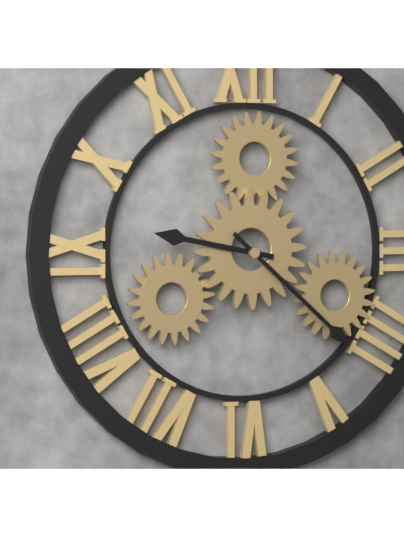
9 h 22 min
